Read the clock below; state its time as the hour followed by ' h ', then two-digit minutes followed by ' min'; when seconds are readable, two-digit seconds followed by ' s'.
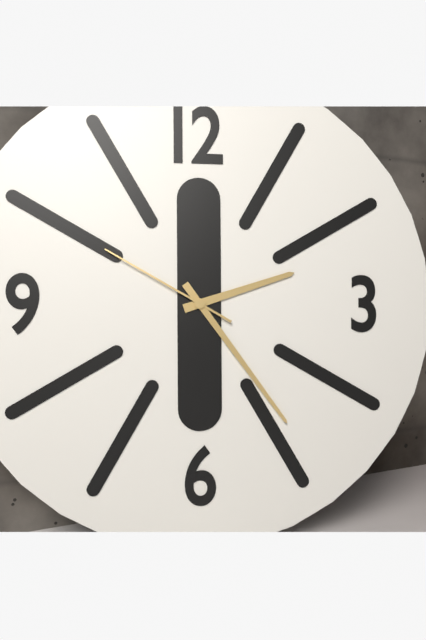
2 h 24 min 50 s
